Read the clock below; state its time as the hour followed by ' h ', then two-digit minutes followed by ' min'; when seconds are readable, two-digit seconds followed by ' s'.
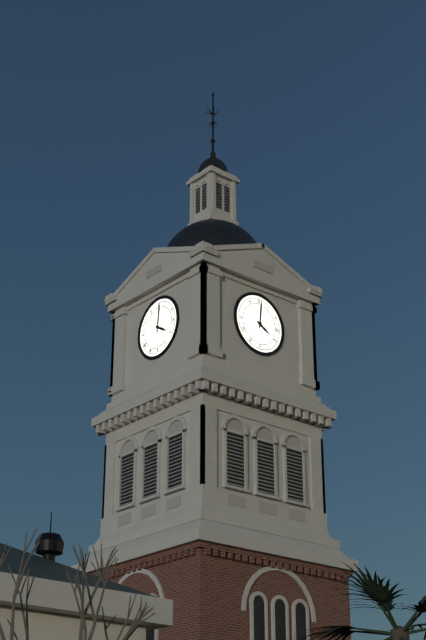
4 h 01 min
